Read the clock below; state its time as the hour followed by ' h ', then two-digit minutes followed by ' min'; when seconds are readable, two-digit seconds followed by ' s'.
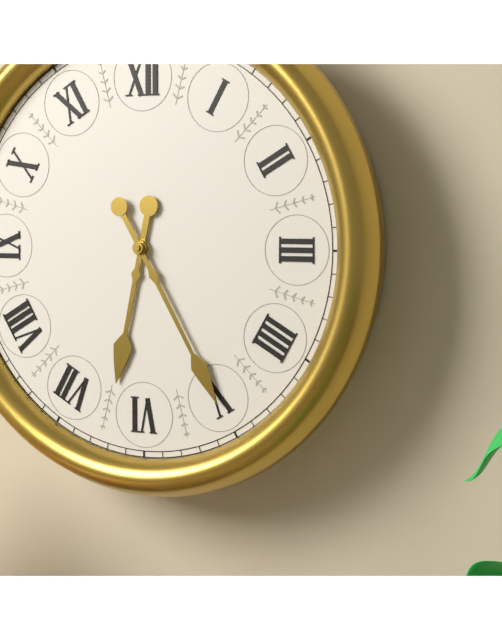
6 h 25 min
